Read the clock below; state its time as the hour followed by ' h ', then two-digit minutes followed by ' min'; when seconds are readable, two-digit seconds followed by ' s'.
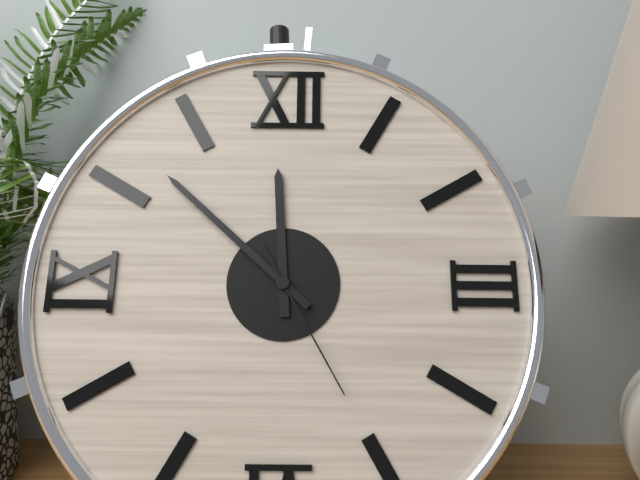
11 h 52 min 25 s
